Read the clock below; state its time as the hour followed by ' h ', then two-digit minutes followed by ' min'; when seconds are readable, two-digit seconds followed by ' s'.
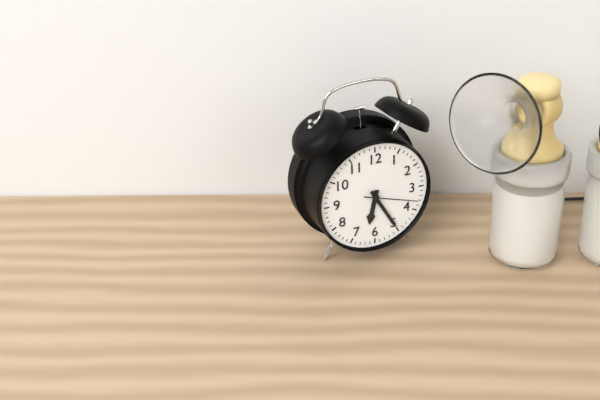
6 h 25 min 18 s
